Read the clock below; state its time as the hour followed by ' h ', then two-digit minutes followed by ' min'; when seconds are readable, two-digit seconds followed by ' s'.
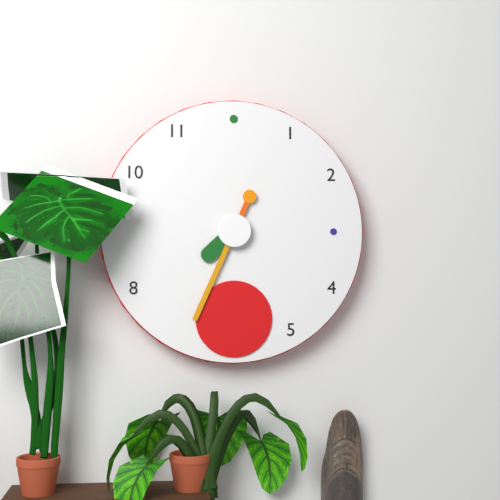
7 h 34 min
